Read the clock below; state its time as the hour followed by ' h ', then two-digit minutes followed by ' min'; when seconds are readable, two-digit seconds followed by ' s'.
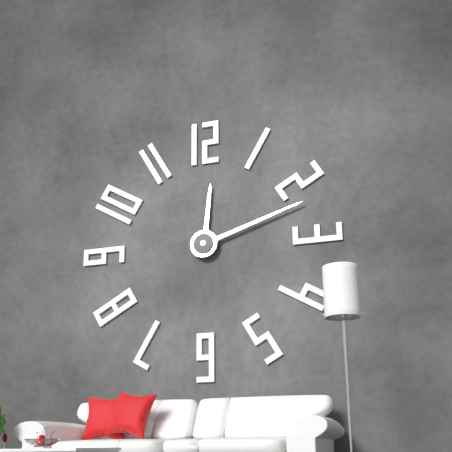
12 h 12 min
